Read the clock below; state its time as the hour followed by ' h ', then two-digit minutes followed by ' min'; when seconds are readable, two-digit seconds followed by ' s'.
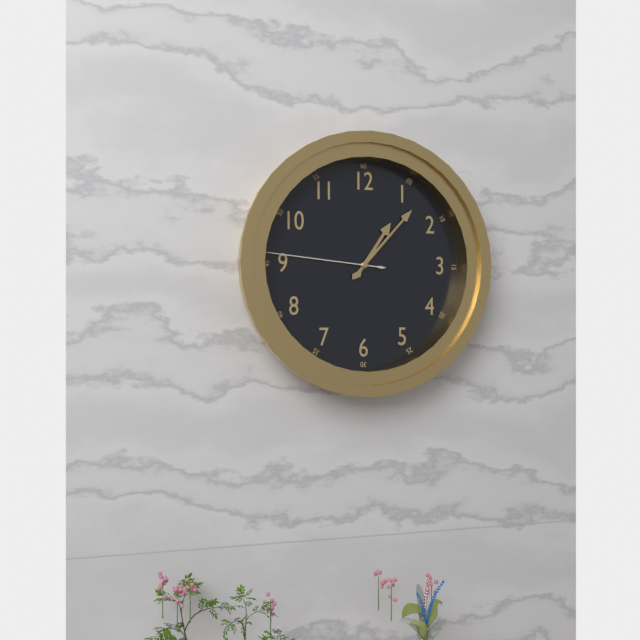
1 h 07 min 46 s
